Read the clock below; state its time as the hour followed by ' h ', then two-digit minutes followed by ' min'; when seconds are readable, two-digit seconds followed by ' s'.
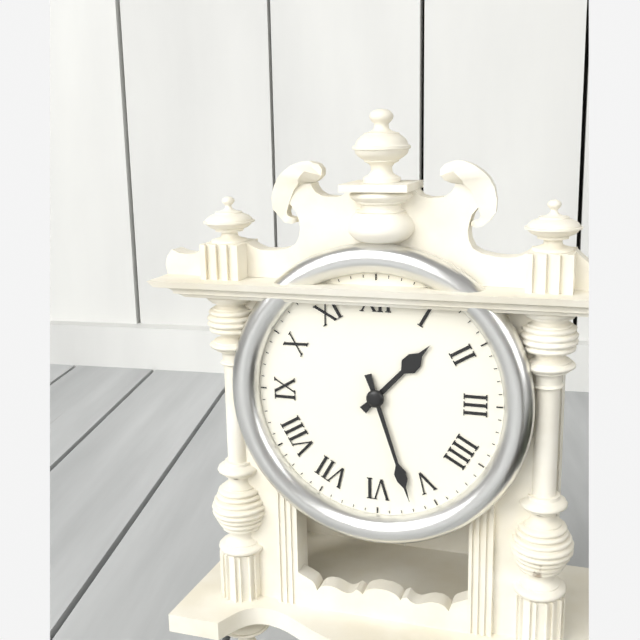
1 h 27 min
